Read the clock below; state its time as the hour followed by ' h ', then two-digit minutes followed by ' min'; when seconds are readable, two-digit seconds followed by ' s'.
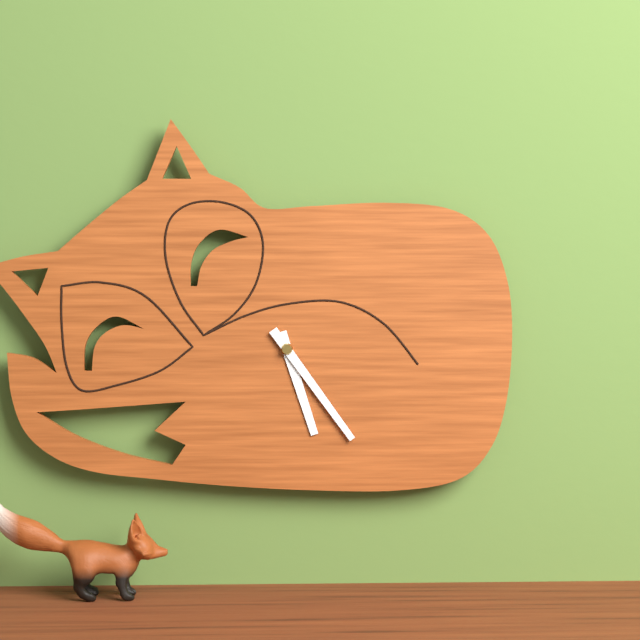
5 h 24 min
